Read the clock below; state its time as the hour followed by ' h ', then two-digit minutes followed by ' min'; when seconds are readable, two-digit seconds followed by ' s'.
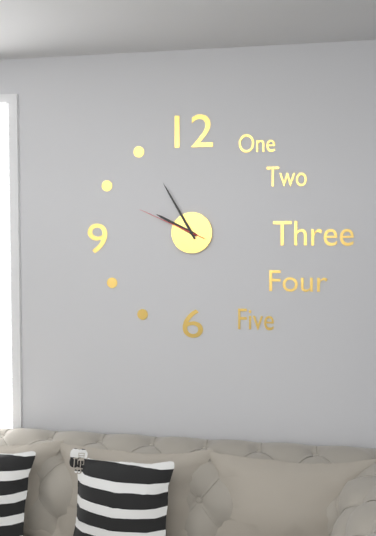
9 h 55 min 49 s
